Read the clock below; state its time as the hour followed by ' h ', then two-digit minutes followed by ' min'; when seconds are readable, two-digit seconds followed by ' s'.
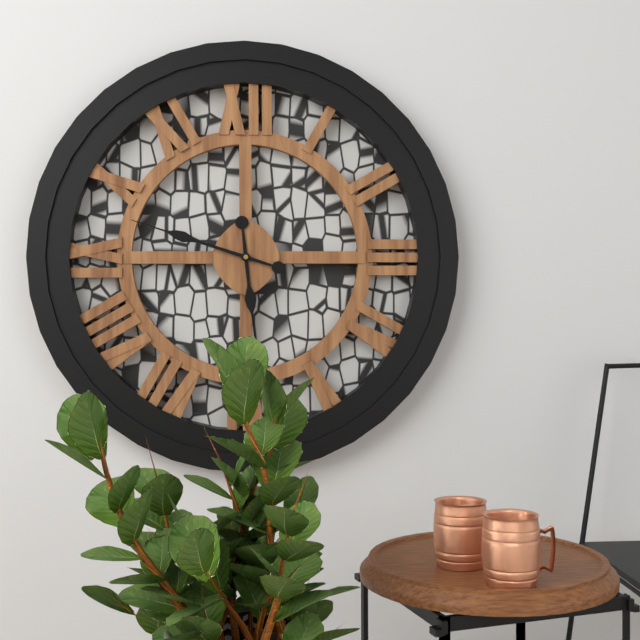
5 h 48 min
